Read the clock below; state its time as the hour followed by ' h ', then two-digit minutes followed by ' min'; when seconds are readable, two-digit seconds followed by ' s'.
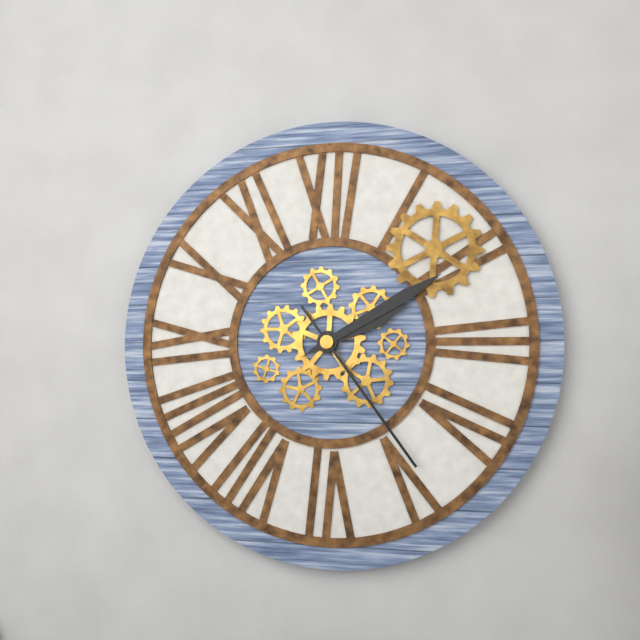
2 h 10 min 24 s
